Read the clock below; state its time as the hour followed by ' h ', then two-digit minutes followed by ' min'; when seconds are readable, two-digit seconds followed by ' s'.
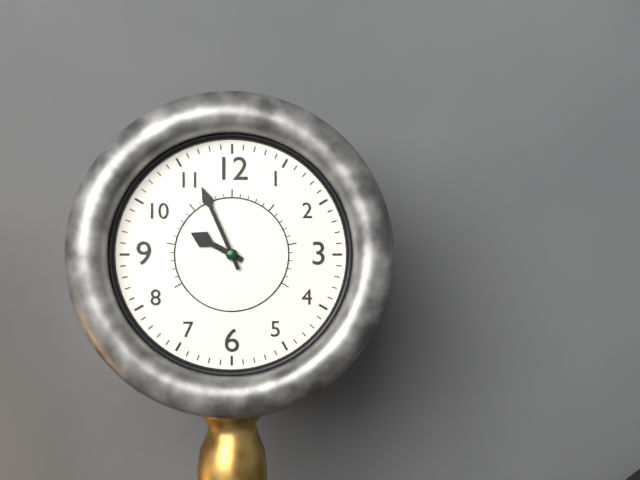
9 h 56 min
